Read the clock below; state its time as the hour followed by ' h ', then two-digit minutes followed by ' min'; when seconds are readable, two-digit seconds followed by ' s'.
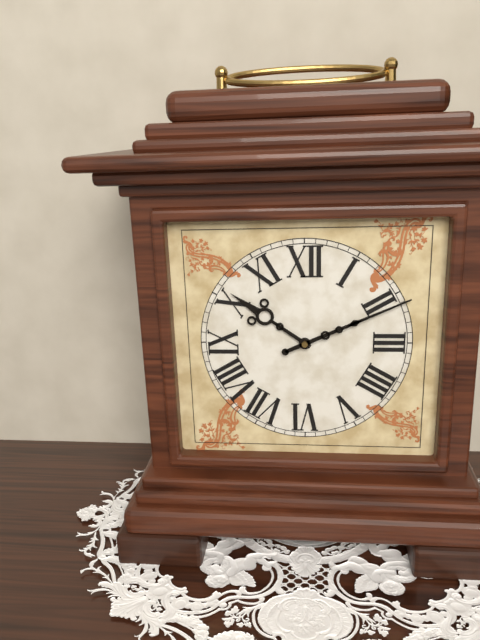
10 h 11 min
